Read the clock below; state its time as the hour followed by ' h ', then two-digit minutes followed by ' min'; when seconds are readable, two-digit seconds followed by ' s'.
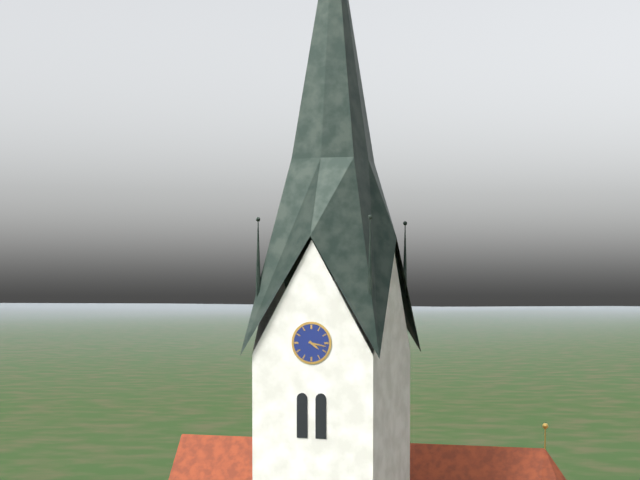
4 h 17 min
